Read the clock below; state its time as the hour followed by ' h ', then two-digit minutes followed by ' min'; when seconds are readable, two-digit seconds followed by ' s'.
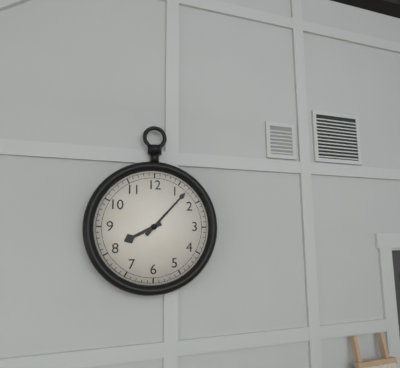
8 h 07 min
